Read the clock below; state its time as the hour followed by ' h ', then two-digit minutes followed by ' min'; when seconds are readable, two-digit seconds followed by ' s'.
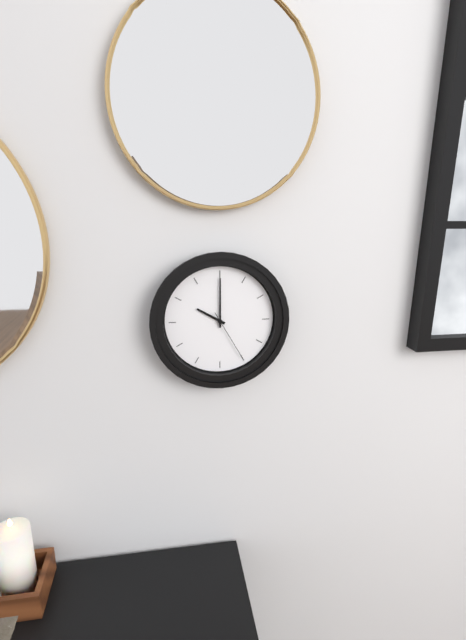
10 h 00 min 25 s
